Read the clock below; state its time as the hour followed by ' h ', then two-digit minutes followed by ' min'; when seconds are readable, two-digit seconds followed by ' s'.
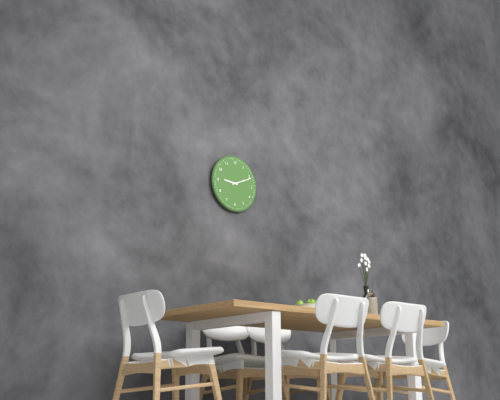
9 h 11 min
